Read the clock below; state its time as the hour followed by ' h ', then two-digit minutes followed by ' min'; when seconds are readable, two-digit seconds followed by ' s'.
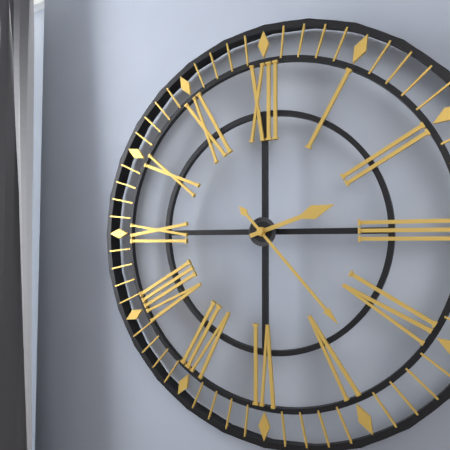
2 h 23 min
